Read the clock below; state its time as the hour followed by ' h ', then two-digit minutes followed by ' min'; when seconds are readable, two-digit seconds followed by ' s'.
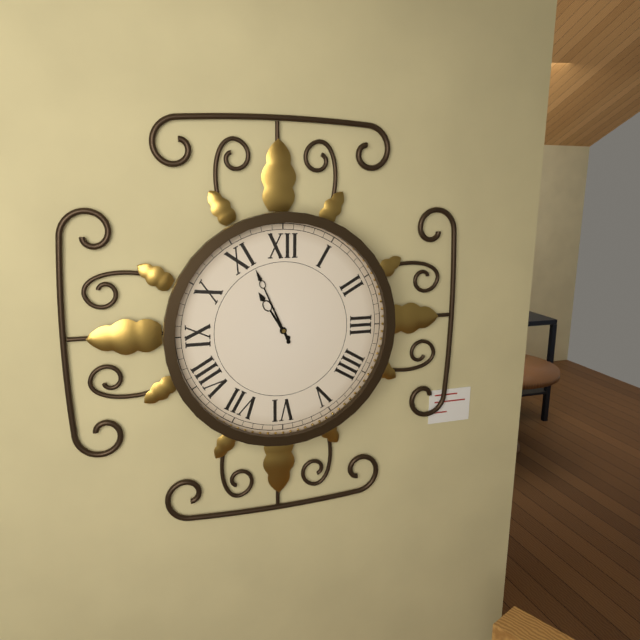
10 h 56 min
